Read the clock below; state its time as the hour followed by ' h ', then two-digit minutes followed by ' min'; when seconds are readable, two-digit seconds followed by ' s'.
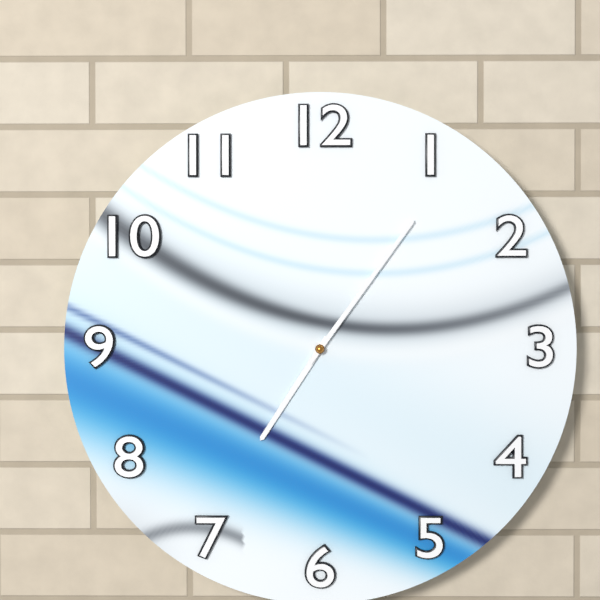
7 h 06 min
